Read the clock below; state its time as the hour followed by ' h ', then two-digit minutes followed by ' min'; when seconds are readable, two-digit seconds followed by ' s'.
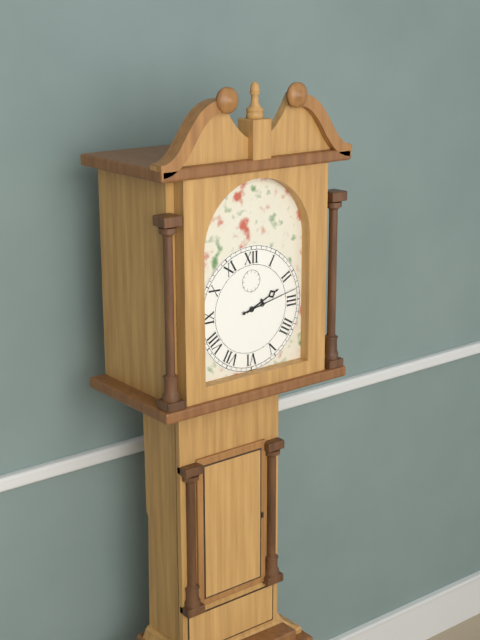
2 h 13 min
